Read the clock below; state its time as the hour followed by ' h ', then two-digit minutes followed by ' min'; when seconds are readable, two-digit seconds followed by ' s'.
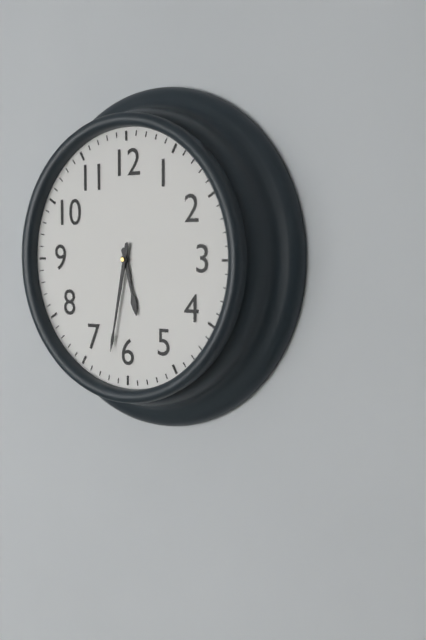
5 h 32 min
